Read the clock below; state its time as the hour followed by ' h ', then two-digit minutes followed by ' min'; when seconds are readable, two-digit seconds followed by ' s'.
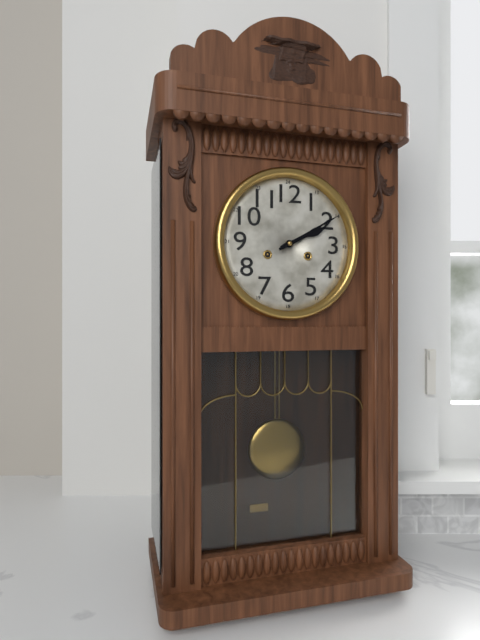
2 h 10 min
